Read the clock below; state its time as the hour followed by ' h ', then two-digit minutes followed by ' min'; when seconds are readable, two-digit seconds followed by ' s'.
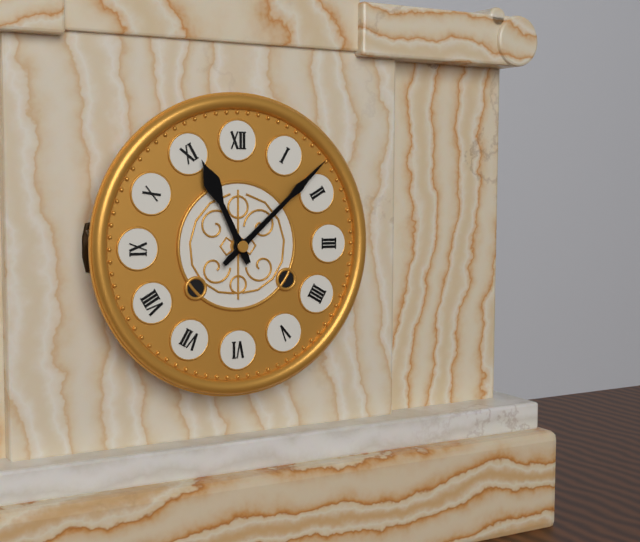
11 h 08 min
